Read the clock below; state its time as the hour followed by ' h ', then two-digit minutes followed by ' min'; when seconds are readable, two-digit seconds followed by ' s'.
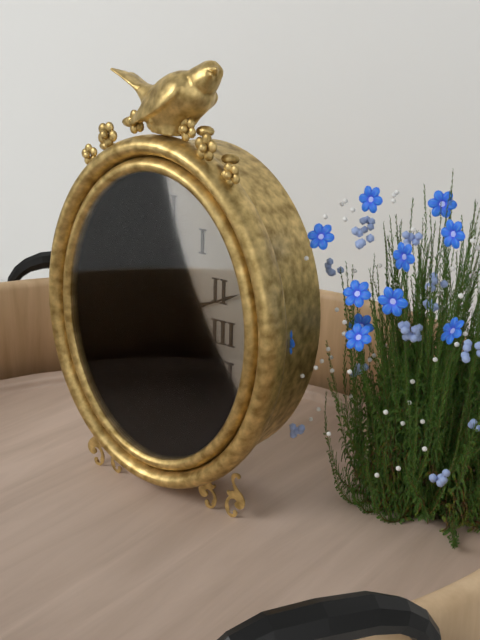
2 h 11 min 39 s
